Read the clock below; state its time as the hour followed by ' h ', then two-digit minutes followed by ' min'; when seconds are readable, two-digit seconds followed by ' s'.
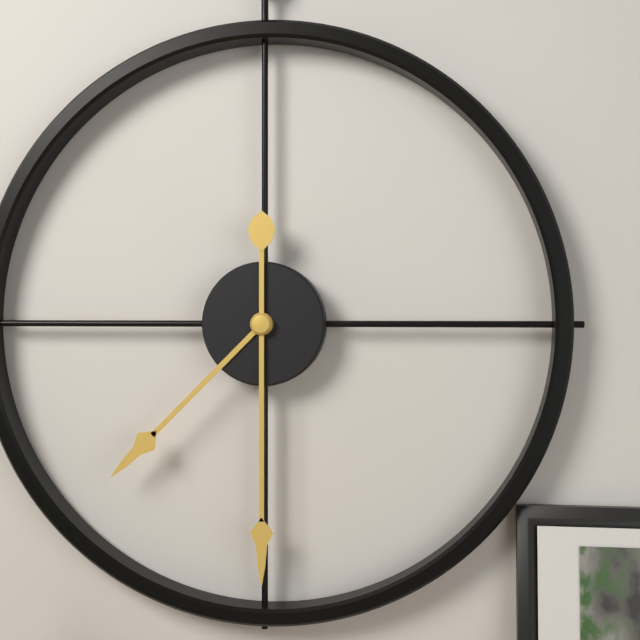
7 h 30 min
